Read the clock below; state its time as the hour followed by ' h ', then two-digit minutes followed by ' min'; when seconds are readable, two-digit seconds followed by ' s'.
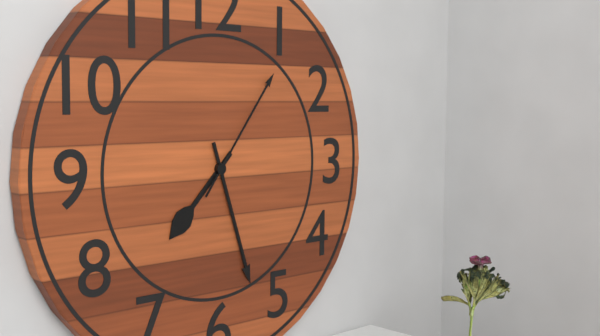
7 h 27 min 06 s
